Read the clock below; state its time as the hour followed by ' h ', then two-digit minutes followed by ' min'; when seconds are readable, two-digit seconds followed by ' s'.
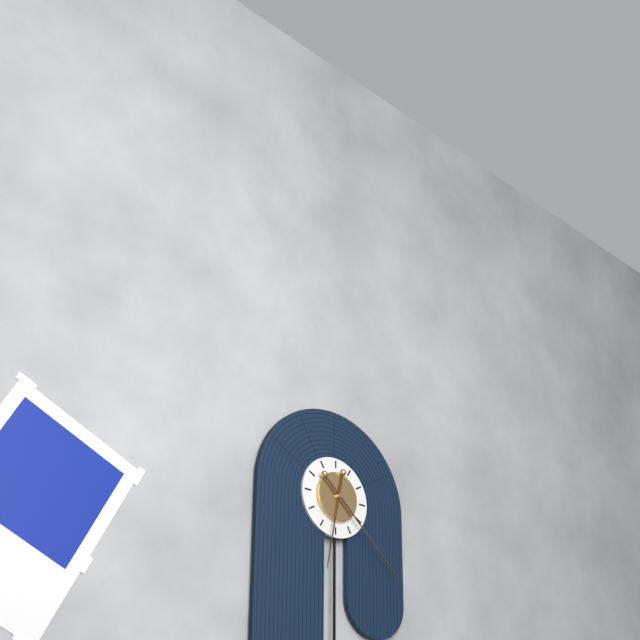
6 h 22 min
